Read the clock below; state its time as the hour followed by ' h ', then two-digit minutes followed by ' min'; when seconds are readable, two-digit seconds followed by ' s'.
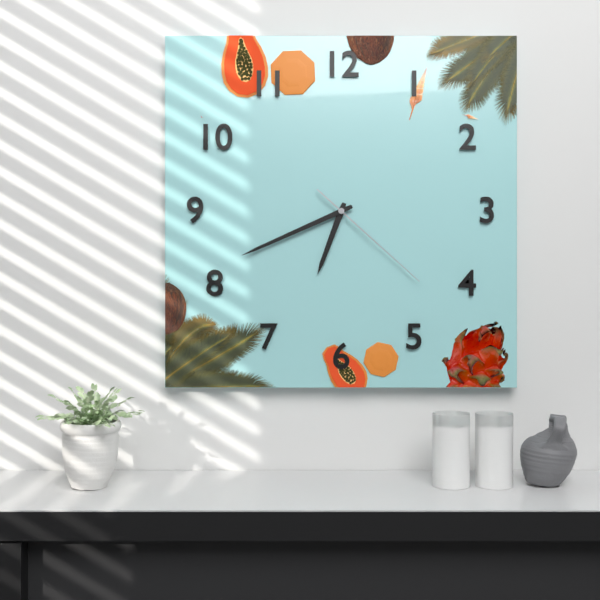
6 h 41 min 22 s
